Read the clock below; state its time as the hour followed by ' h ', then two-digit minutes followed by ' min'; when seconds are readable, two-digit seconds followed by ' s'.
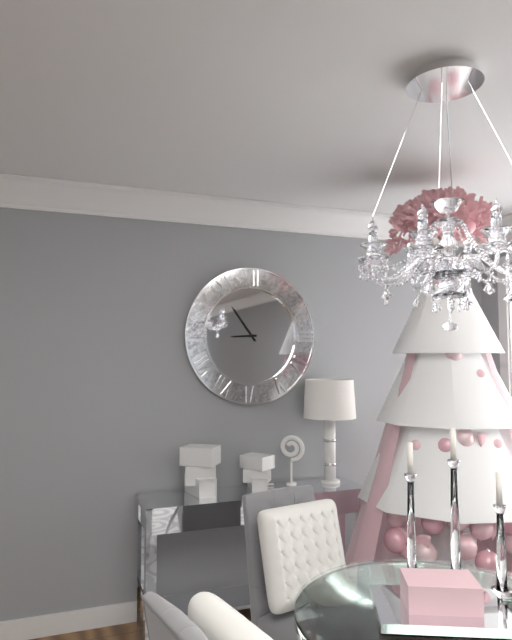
8 h 54 min
